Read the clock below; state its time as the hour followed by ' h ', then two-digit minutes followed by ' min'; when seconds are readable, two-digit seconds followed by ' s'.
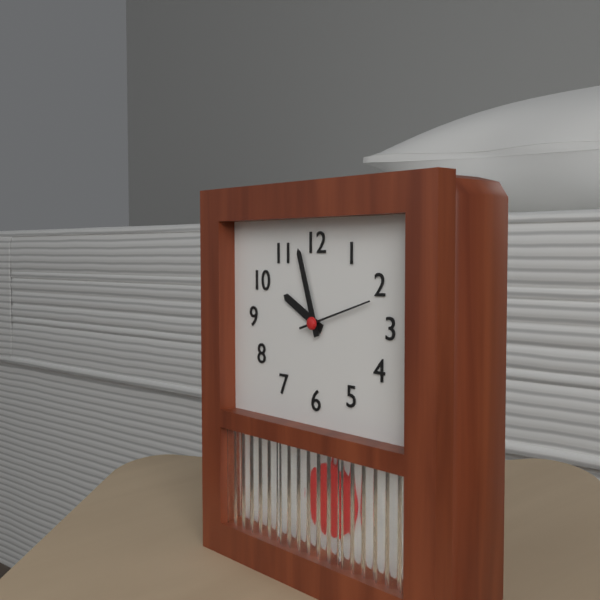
9 h 57 min 12 s
